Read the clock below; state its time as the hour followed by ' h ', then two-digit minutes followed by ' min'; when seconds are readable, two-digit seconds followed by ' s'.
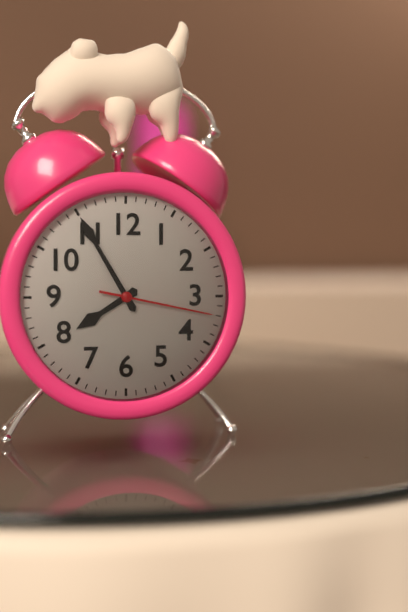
7 h 55 min 17 s
